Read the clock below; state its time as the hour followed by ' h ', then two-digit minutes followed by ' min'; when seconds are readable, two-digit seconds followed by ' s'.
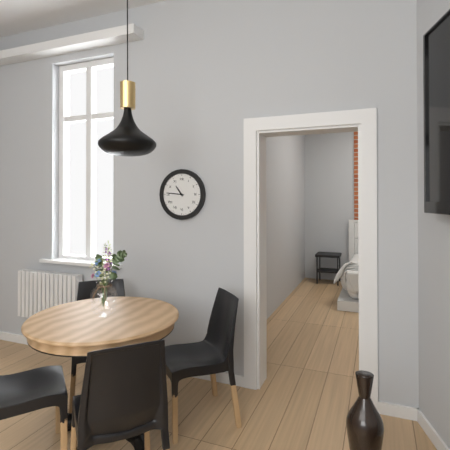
10 h 46 min
